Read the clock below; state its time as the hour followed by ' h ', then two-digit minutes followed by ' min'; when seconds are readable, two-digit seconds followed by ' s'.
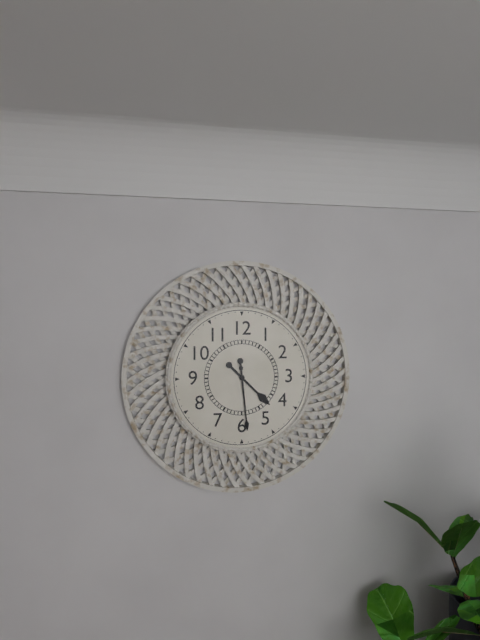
4 h 29 min
